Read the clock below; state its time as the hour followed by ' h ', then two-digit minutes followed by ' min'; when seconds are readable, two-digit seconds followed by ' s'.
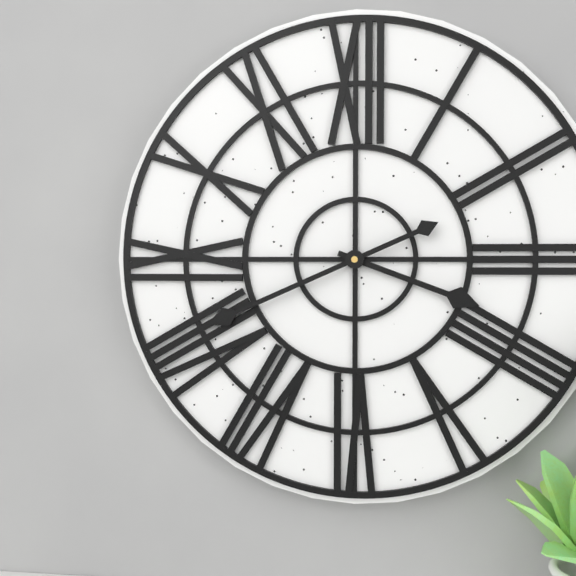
3 h 41 min
